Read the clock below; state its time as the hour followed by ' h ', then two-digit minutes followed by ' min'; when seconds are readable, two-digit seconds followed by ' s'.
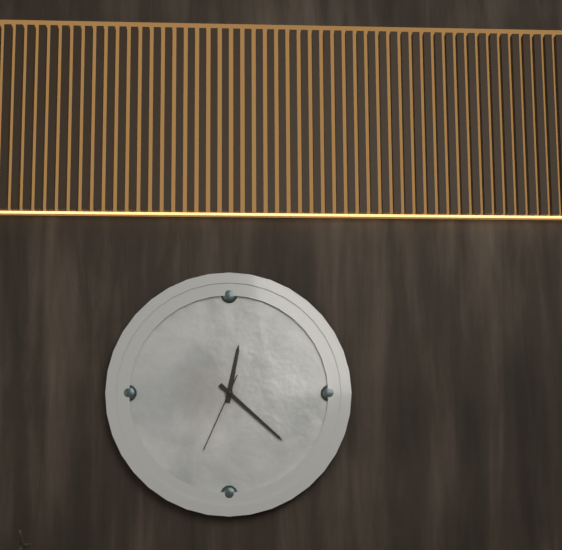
12 h 22 min 34 s
